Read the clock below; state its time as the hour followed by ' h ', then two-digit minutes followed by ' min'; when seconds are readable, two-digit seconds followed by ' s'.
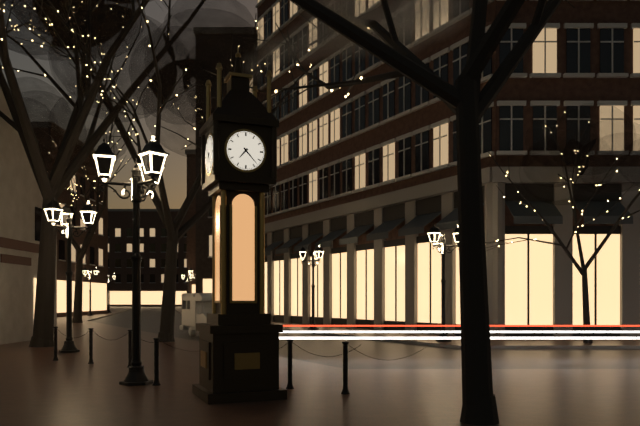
7 h 23 min
